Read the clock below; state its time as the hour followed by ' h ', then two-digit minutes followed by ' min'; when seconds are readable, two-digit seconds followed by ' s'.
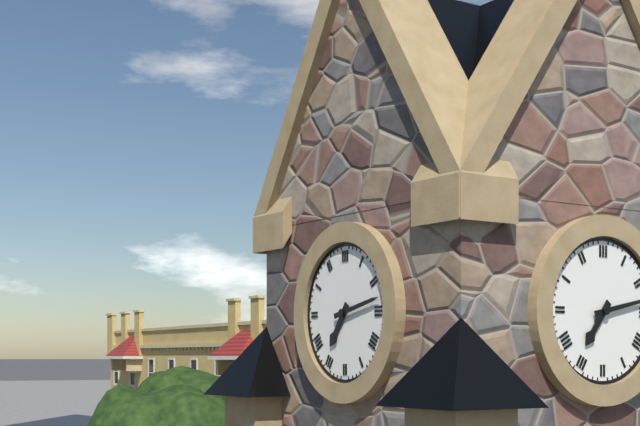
7 h 13 min
